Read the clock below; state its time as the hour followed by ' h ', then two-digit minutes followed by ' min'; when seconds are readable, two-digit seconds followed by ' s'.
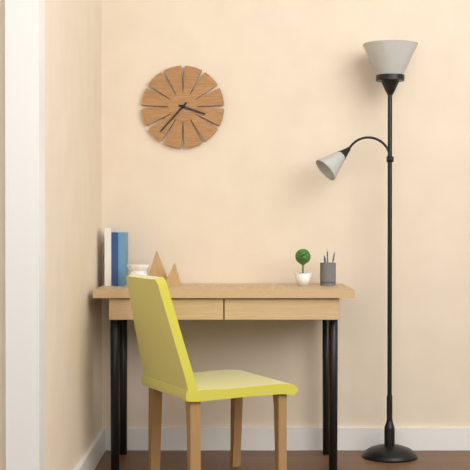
3 h 37 min
